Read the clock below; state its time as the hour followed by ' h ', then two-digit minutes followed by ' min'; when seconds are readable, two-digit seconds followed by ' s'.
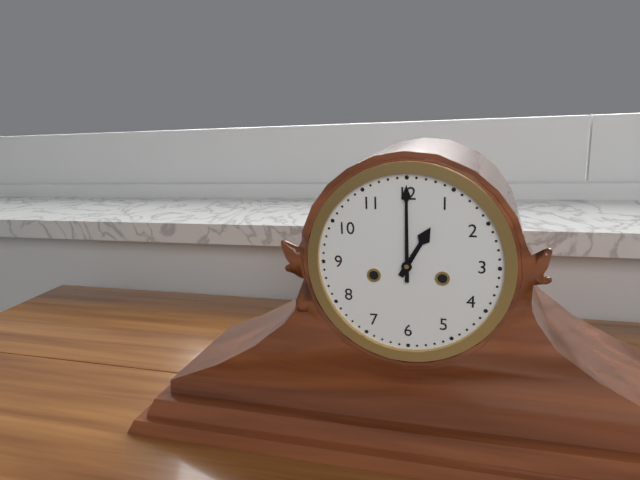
1 h 00 min
